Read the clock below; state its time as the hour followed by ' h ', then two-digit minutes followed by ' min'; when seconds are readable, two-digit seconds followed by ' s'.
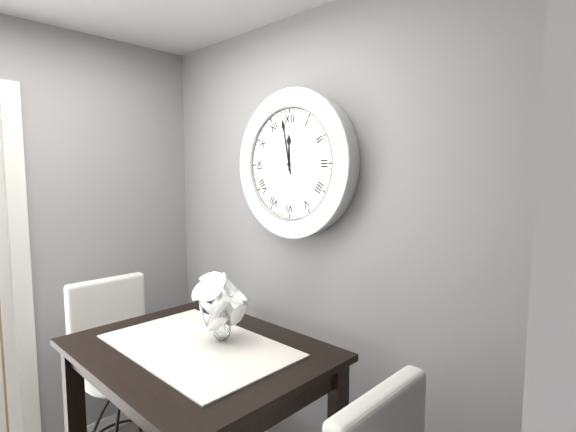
11 h 58 min
